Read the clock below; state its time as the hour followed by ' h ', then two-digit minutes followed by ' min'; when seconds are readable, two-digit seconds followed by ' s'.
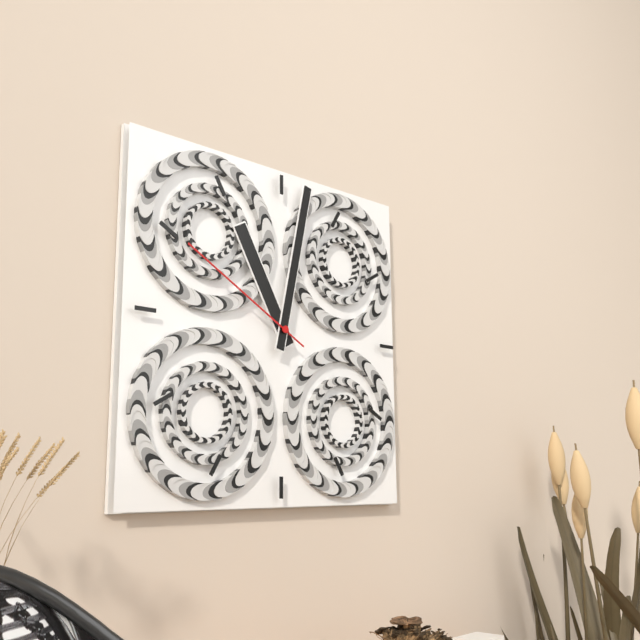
11 h 02 min 50 s
